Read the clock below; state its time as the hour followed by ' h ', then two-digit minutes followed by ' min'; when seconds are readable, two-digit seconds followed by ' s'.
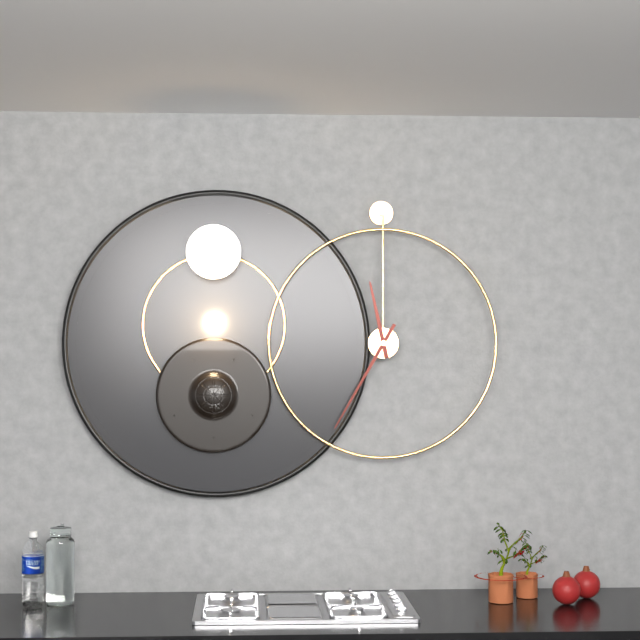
11 h 35 min
